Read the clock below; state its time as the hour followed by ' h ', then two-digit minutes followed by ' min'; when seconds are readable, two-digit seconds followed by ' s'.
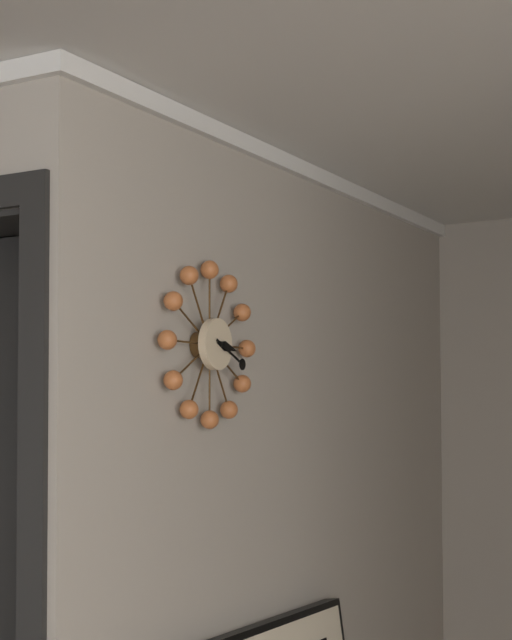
3 h 19 min
